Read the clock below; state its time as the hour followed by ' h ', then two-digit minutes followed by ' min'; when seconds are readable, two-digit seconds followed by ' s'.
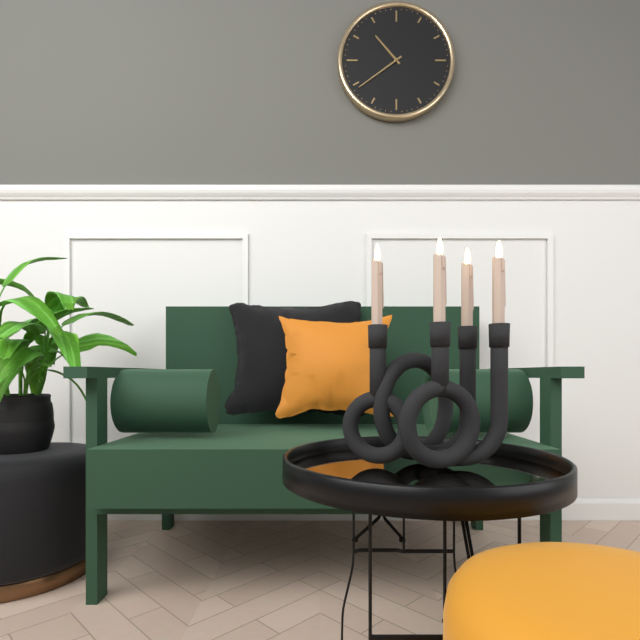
10 h 39 min
